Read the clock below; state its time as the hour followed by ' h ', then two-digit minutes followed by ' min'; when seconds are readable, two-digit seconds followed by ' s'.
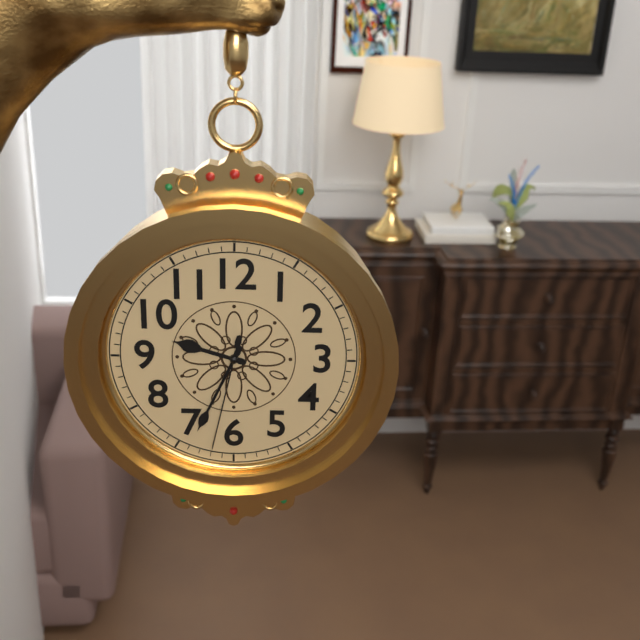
9 h 34 min 32 s
